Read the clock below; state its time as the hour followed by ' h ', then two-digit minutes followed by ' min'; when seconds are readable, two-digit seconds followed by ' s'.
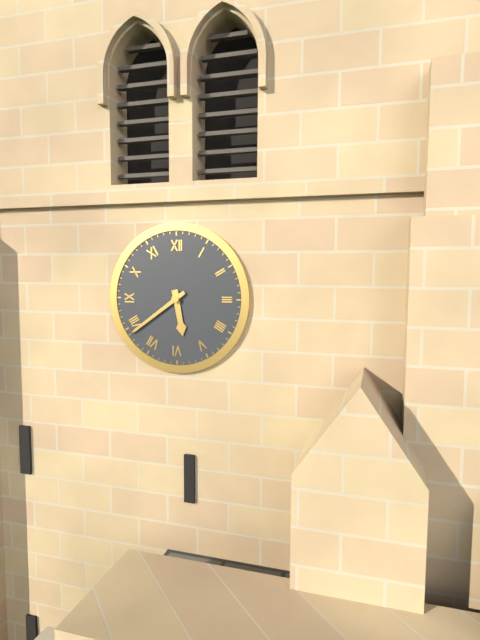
5 h 39 min
